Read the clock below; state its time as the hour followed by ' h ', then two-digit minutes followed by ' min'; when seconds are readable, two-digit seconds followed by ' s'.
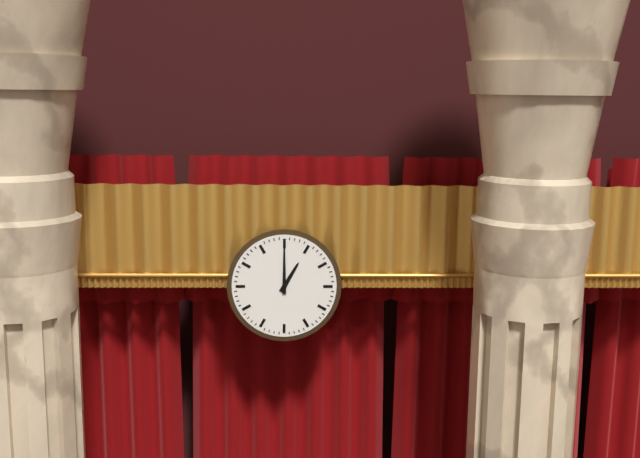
1 h 00 min
